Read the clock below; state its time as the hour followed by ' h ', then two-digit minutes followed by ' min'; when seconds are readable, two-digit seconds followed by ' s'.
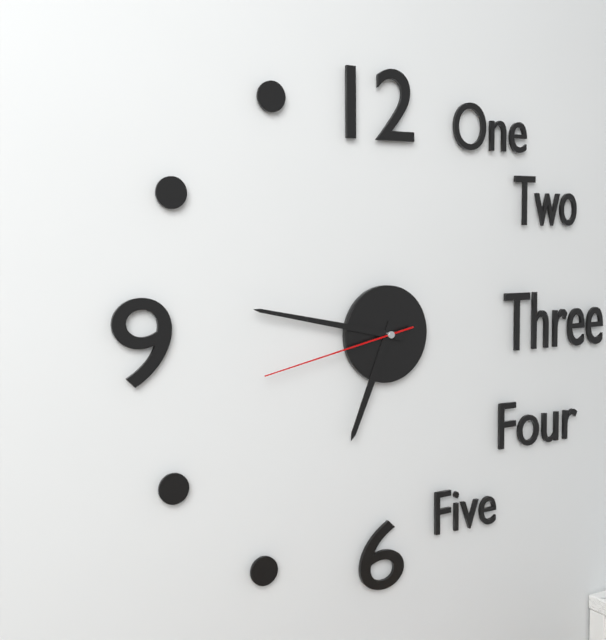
6 h 47 min 43 s
